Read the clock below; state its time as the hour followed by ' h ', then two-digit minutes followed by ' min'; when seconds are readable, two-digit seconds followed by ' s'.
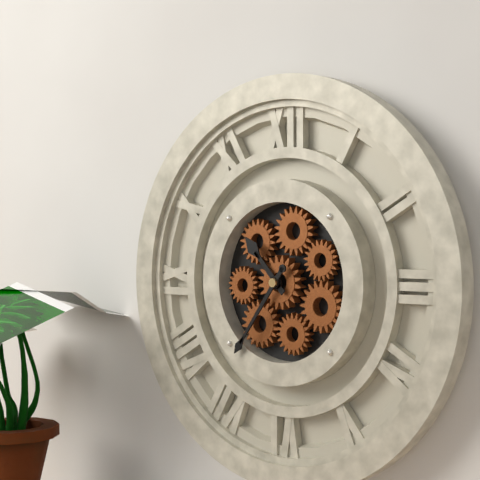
10 h 36 min
